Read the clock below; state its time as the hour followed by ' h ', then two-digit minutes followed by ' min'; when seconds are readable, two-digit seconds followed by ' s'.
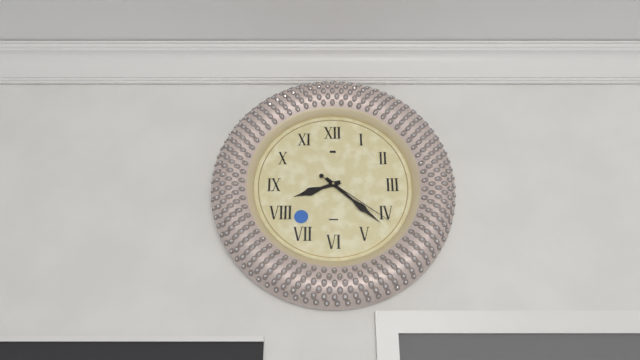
8 h 22 min 21 s
